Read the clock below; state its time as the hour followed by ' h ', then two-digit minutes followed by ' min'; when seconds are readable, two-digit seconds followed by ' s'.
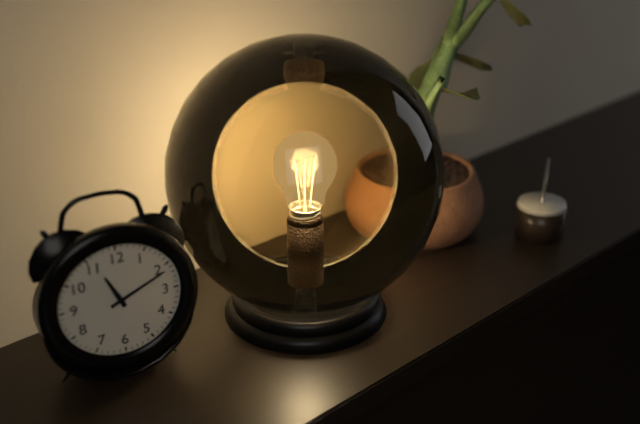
11 h 11 min
